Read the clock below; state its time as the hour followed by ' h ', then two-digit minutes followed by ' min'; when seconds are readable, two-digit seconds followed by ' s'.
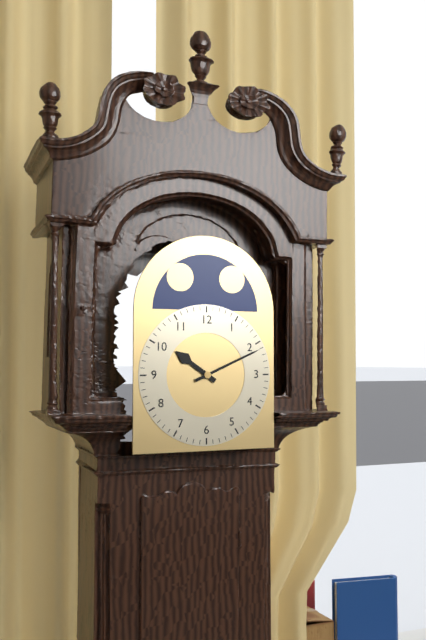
10 h 11 min
